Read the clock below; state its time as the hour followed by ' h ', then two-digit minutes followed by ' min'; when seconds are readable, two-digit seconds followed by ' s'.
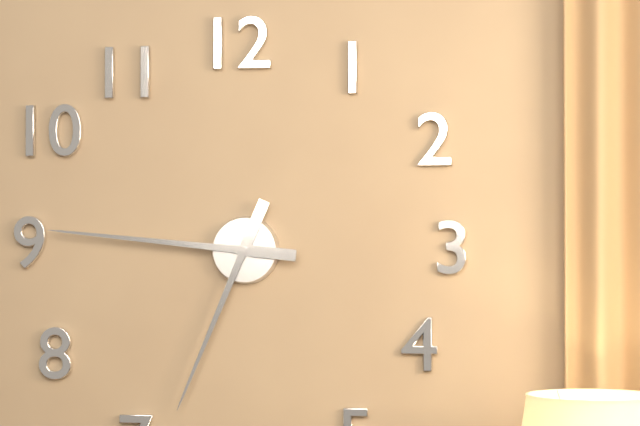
6 h 46 min
